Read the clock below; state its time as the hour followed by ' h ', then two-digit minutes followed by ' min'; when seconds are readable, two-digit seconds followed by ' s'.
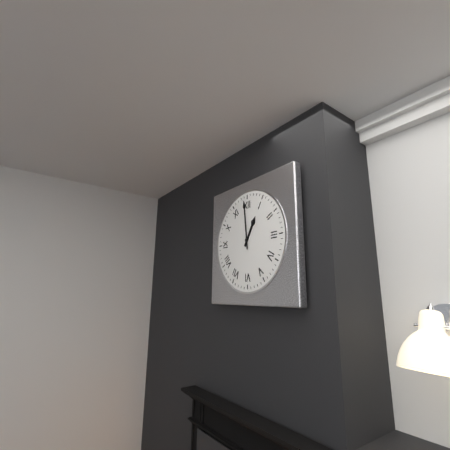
12 h 59 min
